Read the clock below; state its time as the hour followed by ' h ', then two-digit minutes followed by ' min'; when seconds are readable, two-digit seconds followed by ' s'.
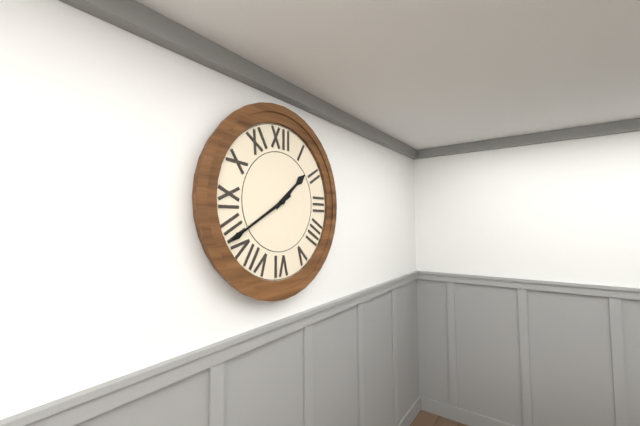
1 h 40 min
